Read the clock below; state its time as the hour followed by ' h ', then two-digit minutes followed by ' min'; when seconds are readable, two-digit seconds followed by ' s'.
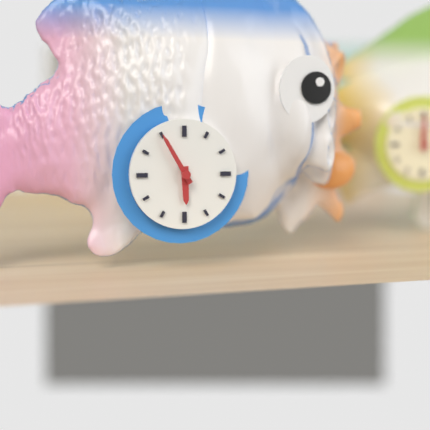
5 h 55 min
